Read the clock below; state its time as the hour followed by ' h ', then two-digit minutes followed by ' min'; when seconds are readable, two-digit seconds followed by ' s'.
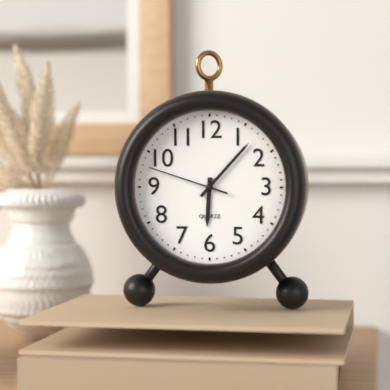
6 h 07 min 48 s
